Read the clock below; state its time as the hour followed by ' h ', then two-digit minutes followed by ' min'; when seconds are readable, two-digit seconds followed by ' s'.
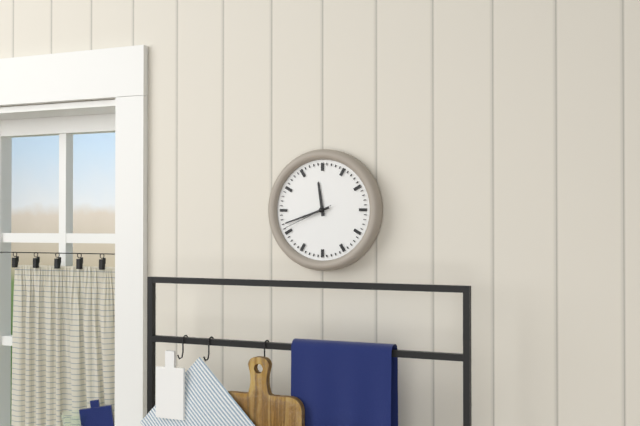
11 h 42 min 41 s
